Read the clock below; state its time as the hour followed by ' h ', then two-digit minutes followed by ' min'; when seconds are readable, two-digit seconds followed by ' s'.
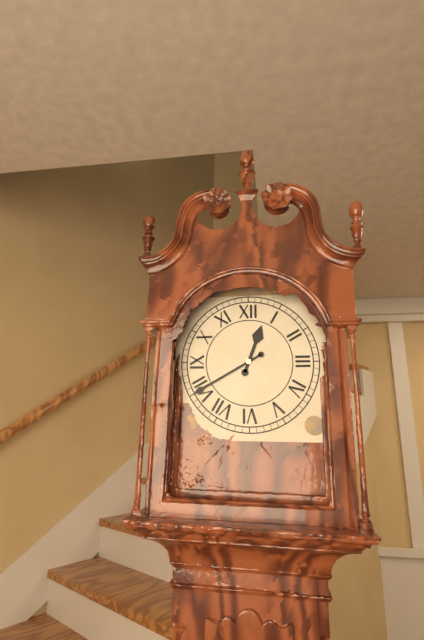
12 h 40 min
